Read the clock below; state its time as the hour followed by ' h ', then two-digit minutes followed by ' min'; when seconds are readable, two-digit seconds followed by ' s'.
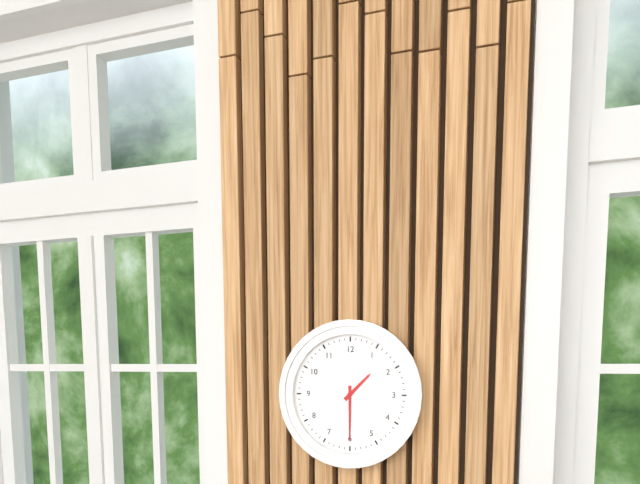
1 h 30 min
